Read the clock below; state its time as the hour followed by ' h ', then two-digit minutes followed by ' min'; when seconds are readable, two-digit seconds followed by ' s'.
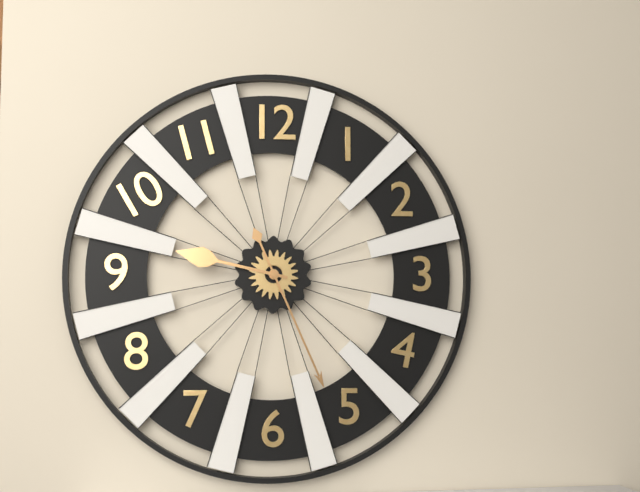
9 h 26 min
